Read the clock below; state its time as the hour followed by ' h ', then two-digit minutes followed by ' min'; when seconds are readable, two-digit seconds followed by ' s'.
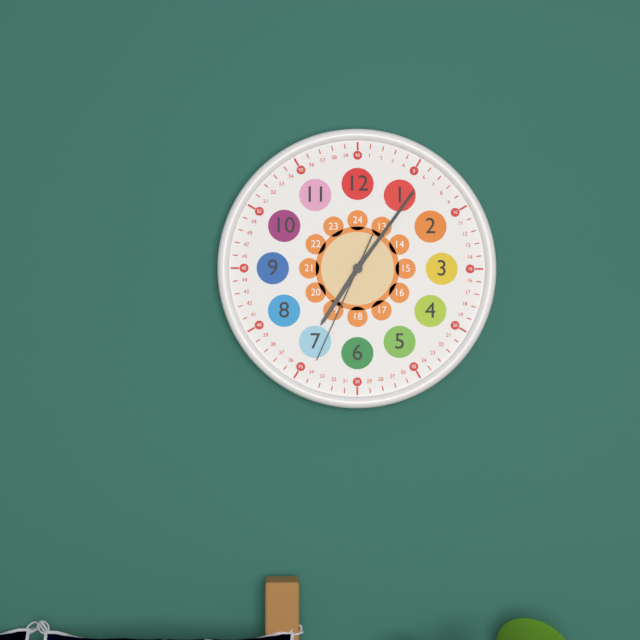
7 h 06 min 34 s
